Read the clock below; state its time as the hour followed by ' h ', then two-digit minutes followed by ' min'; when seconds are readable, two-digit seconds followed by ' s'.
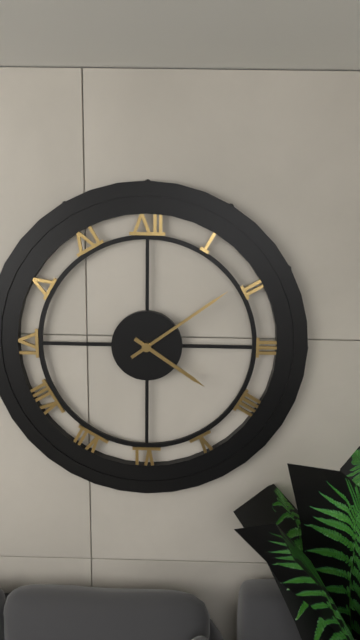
4 h 09 min
